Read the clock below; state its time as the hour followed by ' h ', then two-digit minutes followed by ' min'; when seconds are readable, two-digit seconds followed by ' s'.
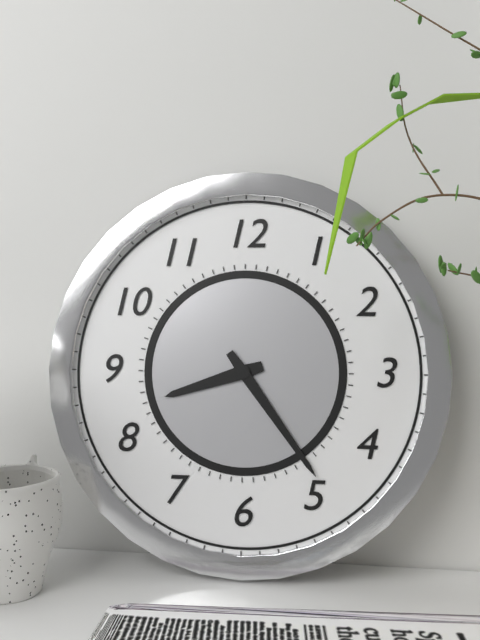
8 h 24 min
